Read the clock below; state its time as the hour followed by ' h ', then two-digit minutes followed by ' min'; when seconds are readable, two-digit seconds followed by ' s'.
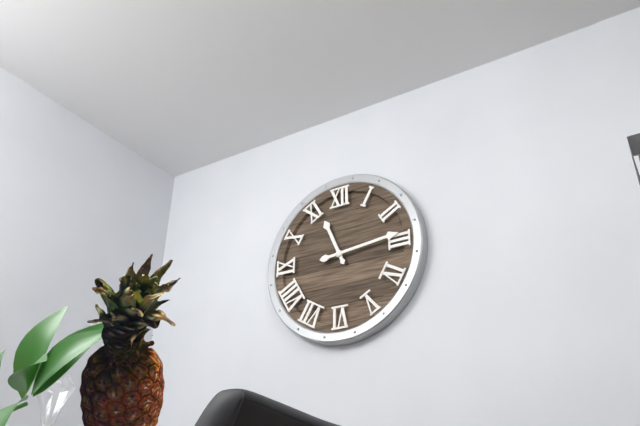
11 h 14 min
